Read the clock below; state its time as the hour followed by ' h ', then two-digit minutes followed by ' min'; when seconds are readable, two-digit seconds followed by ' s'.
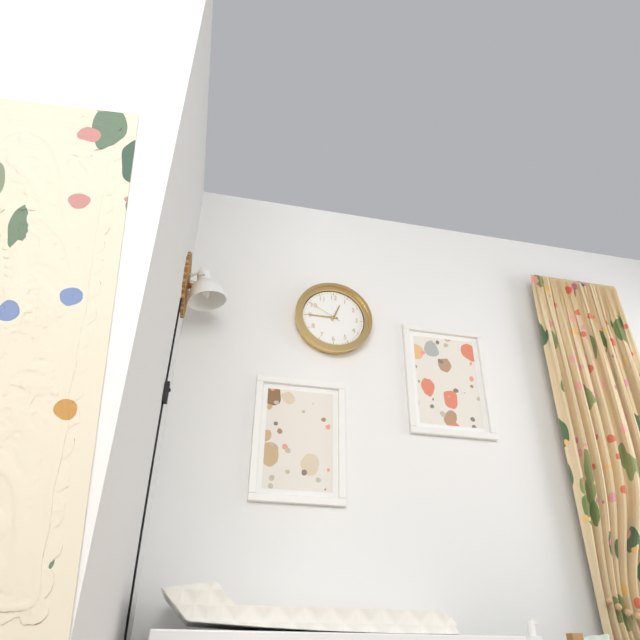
12 h 45 min
